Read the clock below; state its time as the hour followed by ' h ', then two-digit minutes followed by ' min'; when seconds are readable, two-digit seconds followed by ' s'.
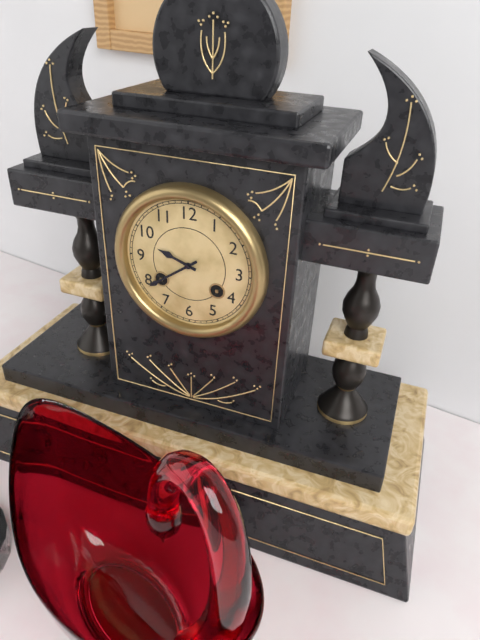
9 h 39 min
